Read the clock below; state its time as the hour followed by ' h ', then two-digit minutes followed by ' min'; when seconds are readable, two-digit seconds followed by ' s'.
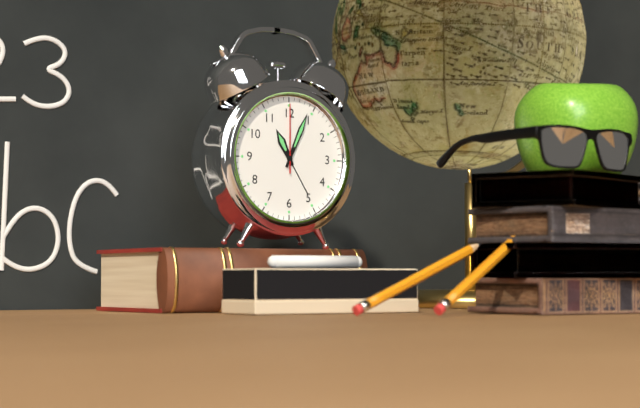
11 h 04 min 00 s
